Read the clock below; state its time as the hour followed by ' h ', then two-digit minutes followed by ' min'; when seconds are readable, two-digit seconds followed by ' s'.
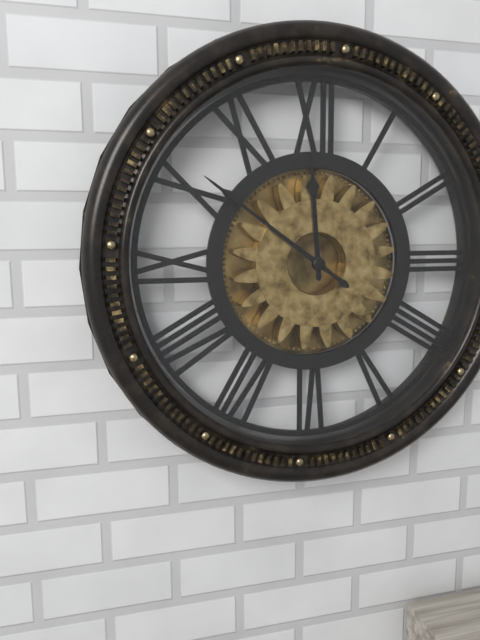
11 h 51 min
